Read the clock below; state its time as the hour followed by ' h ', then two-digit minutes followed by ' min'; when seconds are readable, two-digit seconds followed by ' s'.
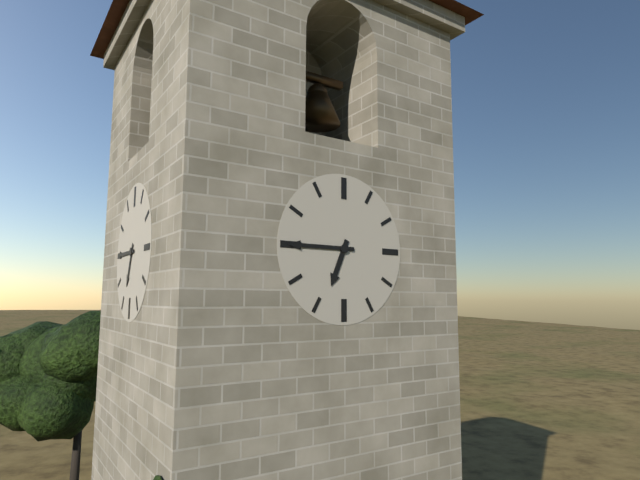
6 h 45 min
